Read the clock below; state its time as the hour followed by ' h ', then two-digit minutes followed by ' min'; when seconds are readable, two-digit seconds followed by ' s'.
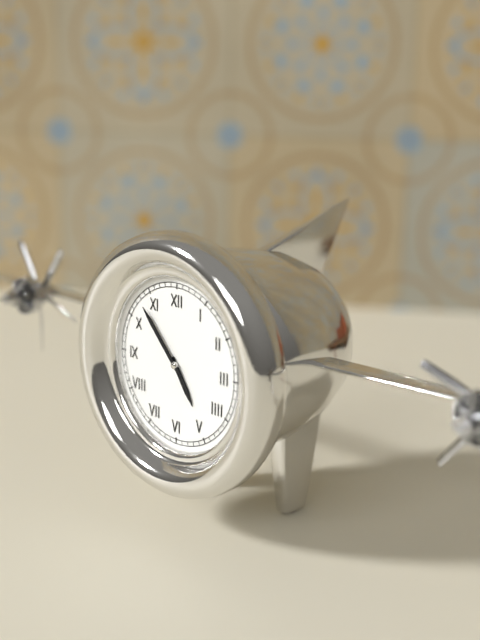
4 h 53 min
